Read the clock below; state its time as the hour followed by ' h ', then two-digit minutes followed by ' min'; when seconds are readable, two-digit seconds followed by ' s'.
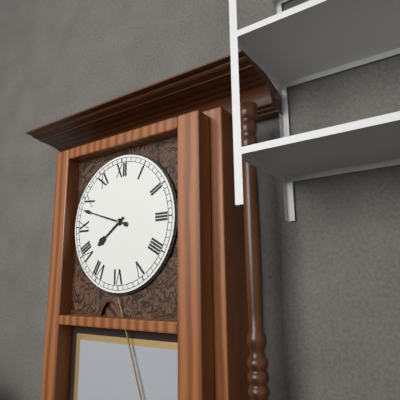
7 h 48 min
